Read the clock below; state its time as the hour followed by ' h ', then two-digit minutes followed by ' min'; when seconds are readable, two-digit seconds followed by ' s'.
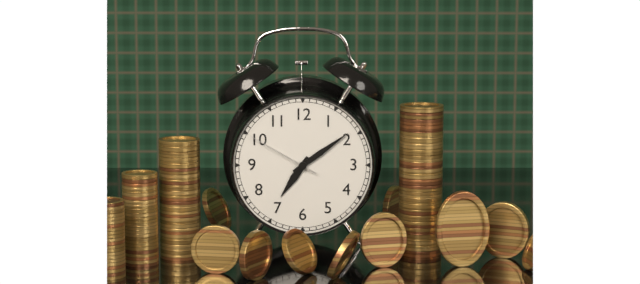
7 h 09 min 50 s
